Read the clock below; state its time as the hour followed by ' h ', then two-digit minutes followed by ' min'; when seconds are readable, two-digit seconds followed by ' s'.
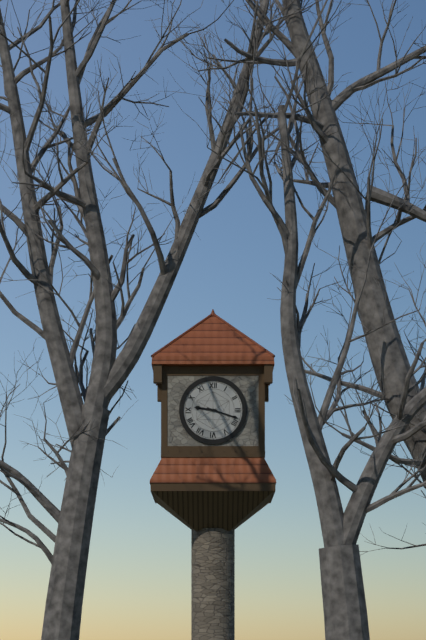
9 h 18 min
